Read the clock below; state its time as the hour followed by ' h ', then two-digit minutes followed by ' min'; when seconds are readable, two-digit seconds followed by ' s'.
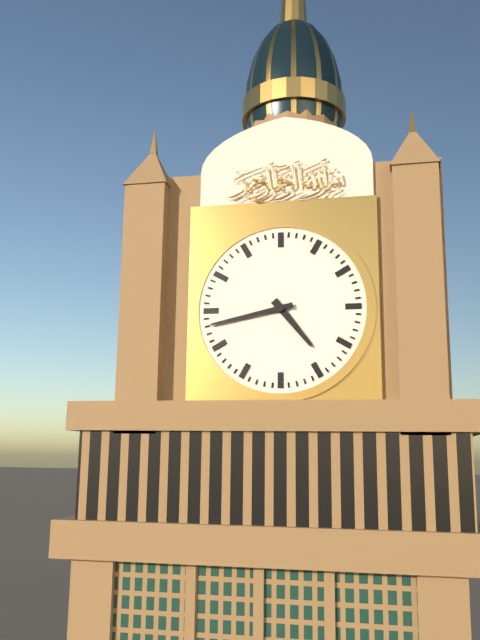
4 h 43 min
